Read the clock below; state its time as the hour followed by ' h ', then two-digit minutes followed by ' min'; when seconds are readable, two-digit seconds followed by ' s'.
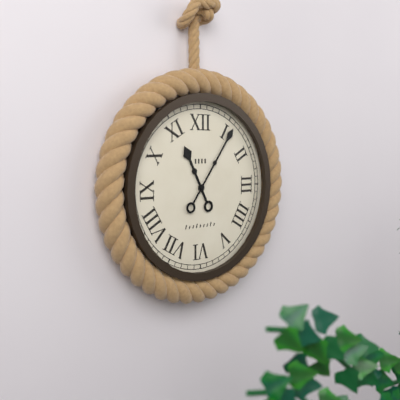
11 h 06 min
